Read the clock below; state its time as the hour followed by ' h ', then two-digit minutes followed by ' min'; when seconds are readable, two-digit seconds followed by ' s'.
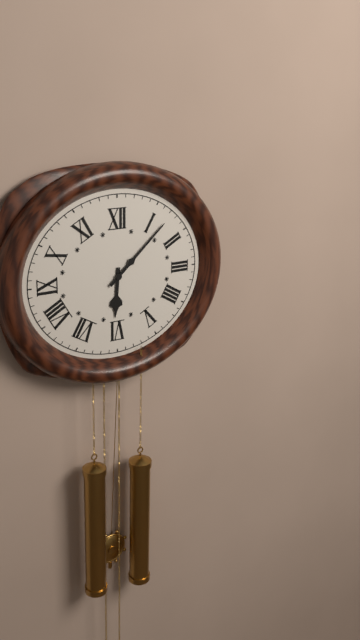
6 h 08 min
